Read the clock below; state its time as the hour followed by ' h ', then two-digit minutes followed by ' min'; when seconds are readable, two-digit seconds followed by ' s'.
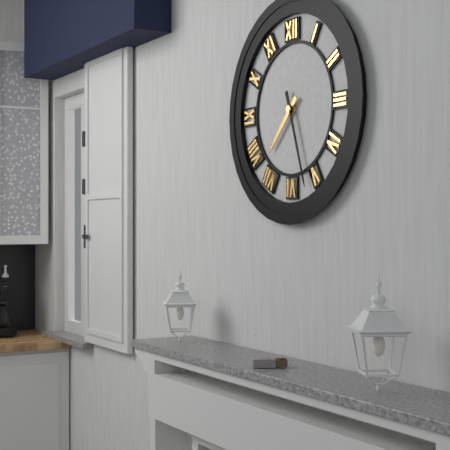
7 h 27 min
